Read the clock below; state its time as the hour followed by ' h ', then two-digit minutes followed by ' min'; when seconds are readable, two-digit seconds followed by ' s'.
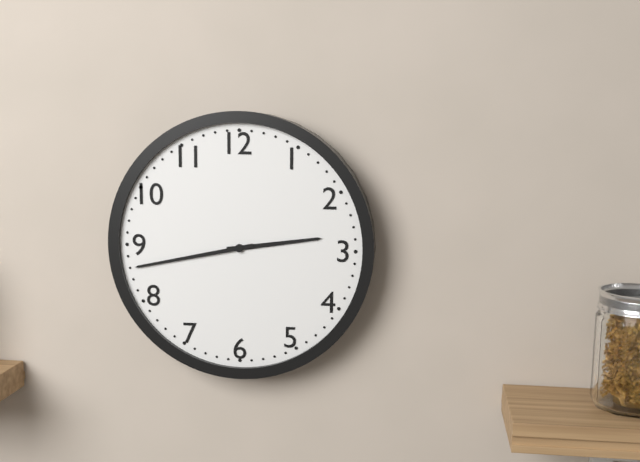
2 h 43 min
